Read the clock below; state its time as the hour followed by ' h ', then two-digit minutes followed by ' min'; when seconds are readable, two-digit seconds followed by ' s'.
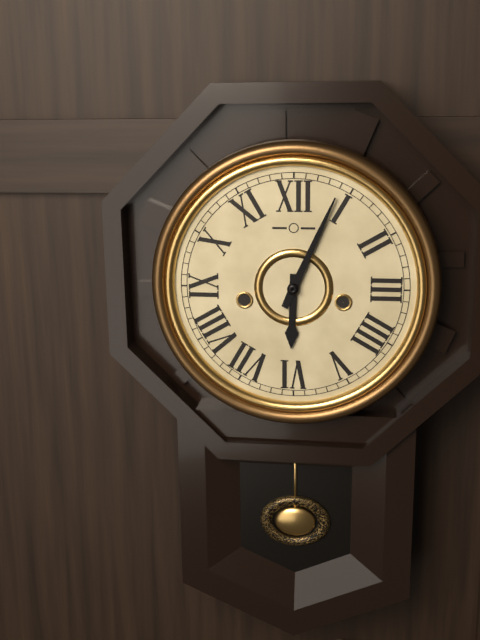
6 h 04 min
